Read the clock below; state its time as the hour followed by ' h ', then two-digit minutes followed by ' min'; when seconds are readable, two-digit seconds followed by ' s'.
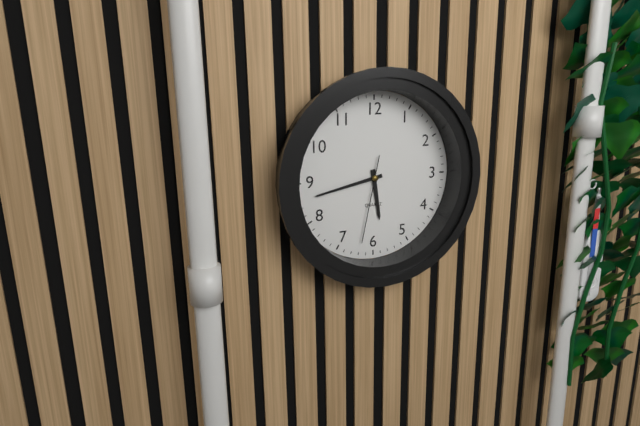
5 h 43 min 32 s
